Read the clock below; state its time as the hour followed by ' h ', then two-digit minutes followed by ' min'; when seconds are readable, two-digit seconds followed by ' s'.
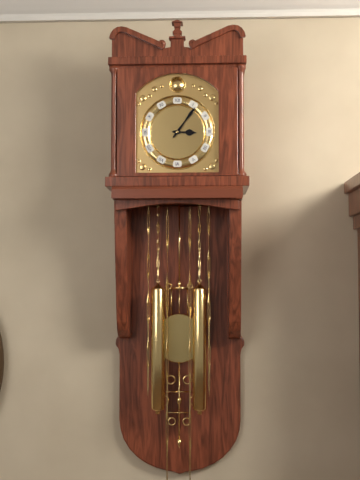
3 h 06 min
